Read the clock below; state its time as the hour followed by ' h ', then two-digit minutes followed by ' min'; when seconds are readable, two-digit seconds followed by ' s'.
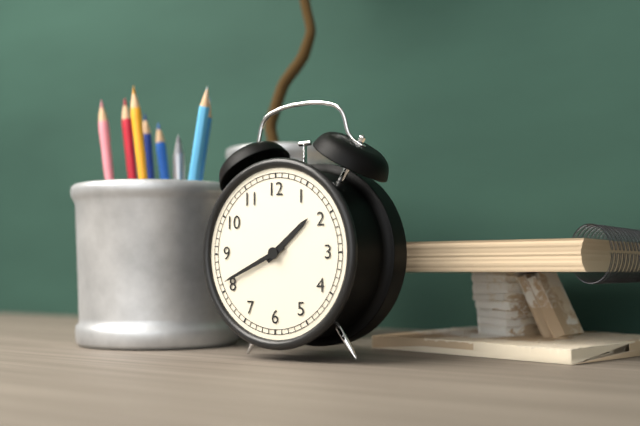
1 h 41 min
